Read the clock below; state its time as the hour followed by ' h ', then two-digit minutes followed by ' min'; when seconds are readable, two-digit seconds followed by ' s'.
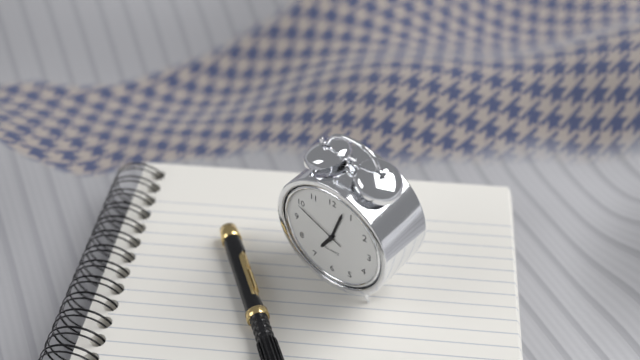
7 h 03 min 49 s
